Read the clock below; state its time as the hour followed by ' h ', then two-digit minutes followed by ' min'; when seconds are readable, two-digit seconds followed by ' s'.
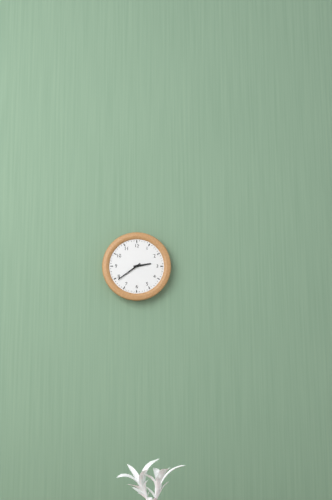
2 h 39 min
